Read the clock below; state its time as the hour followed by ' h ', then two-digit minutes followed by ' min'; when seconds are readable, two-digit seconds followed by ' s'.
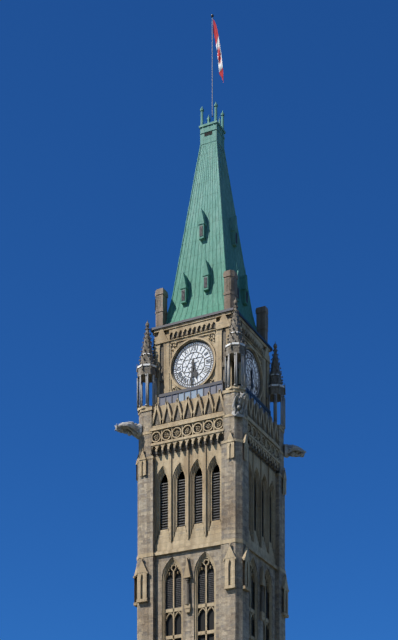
5 h 31 min
